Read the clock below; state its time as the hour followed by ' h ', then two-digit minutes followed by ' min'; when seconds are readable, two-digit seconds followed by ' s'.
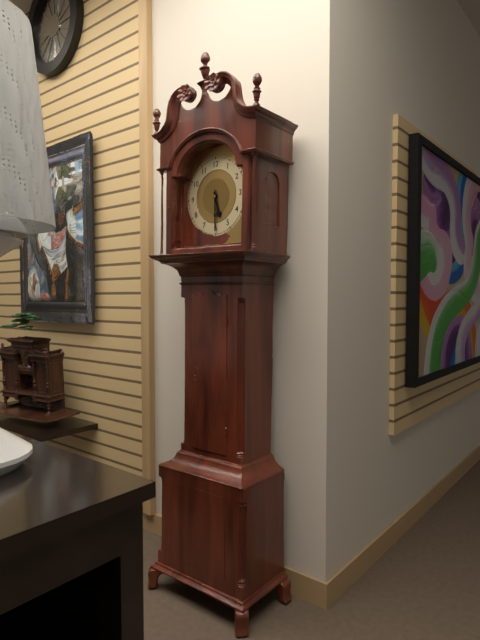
5 h 30 min
